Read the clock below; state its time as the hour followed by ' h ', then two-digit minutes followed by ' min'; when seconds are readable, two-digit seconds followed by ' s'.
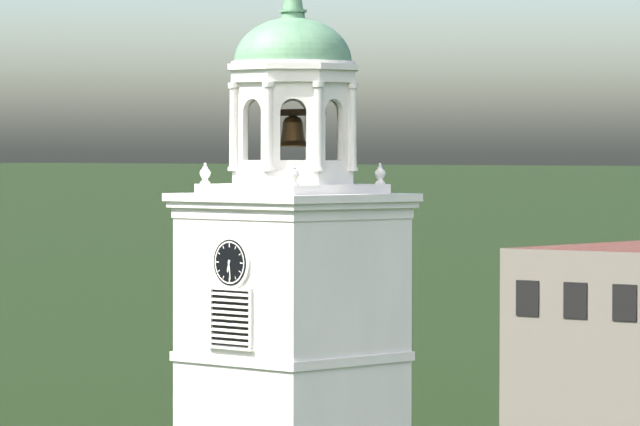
6 h 29 min
